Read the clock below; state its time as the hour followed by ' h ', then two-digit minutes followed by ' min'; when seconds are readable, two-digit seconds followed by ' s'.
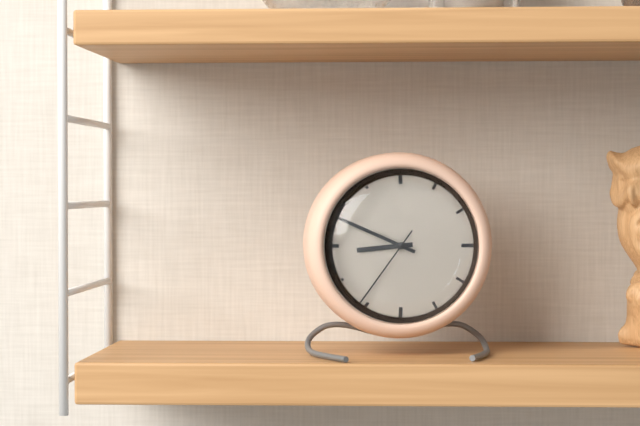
8 h 49 min 36 s
